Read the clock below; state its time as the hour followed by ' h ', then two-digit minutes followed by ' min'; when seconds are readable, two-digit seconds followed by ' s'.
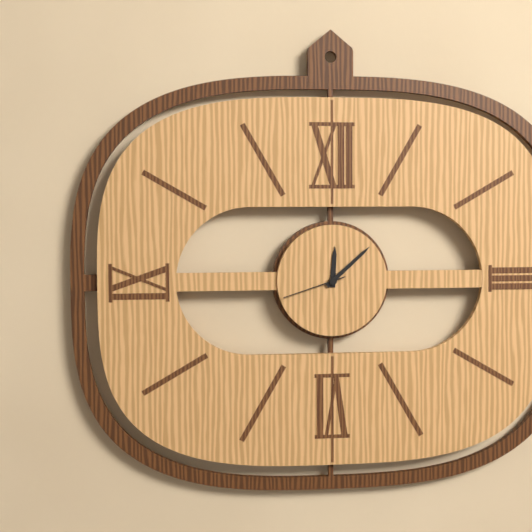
12 h 08 min 42 s
